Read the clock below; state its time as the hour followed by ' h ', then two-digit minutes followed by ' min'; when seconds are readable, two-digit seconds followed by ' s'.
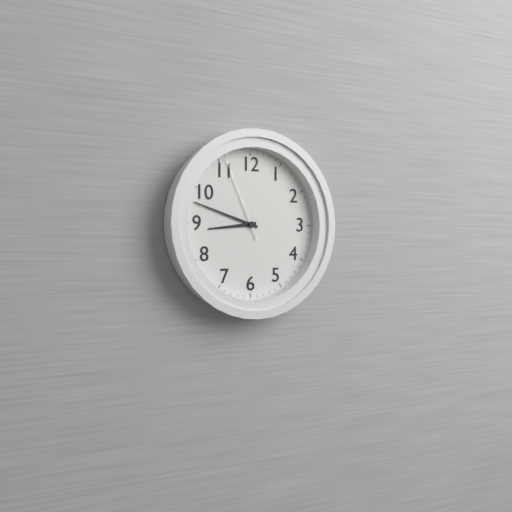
8 h 48 min 56 s
